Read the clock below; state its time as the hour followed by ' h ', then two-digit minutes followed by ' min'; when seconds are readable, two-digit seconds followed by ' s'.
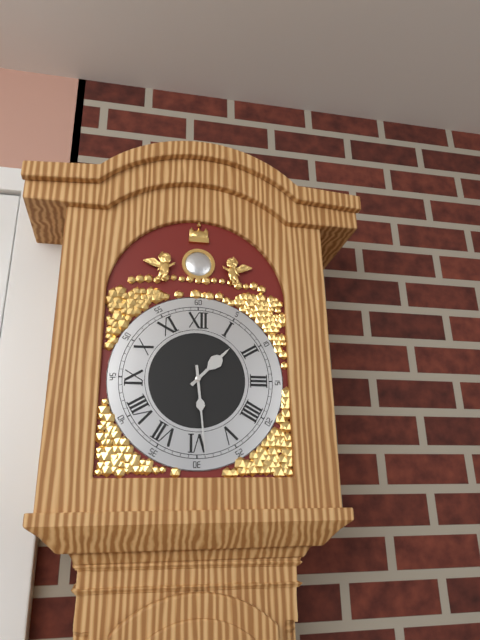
1 h 29 min
